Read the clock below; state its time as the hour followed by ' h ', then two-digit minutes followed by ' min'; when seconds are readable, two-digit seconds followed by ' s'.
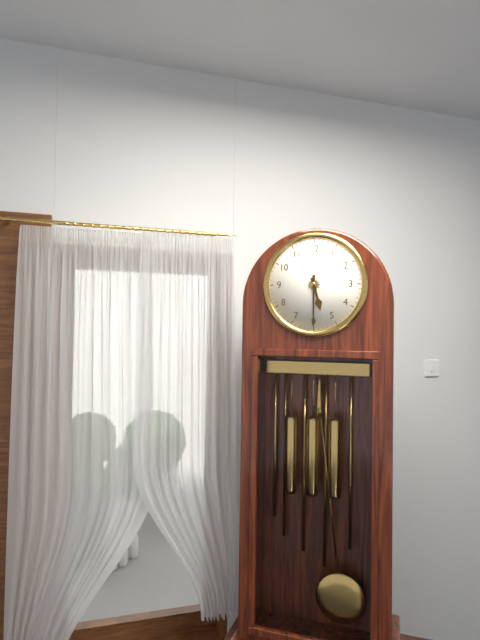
5 h 30 min
